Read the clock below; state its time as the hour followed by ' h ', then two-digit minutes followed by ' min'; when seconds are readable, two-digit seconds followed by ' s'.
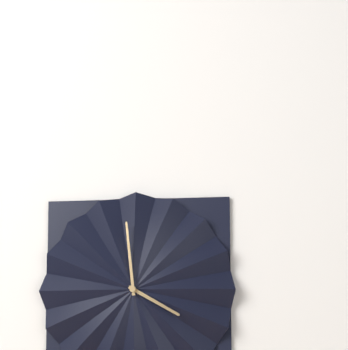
3 h 59 min
